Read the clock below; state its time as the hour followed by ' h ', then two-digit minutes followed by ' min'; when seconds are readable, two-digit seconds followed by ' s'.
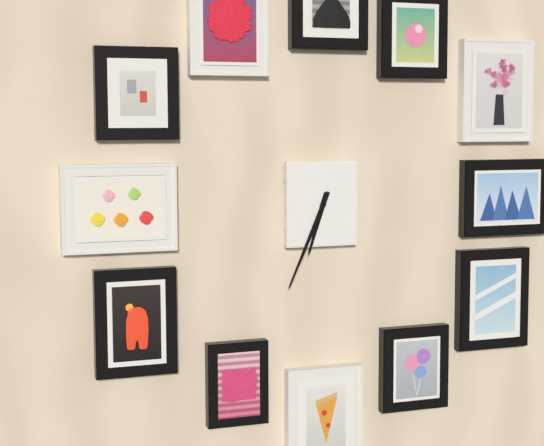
6 h 34 min
